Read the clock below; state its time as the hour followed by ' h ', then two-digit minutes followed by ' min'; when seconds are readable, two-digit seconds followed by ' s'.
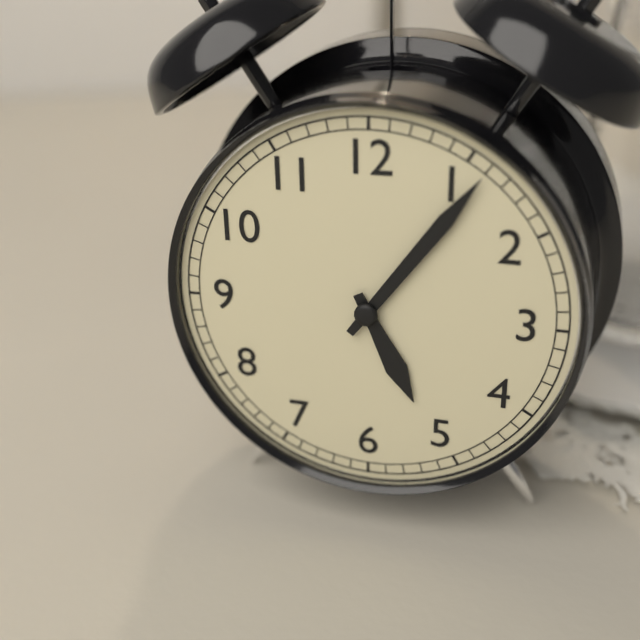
5 h 06 min
